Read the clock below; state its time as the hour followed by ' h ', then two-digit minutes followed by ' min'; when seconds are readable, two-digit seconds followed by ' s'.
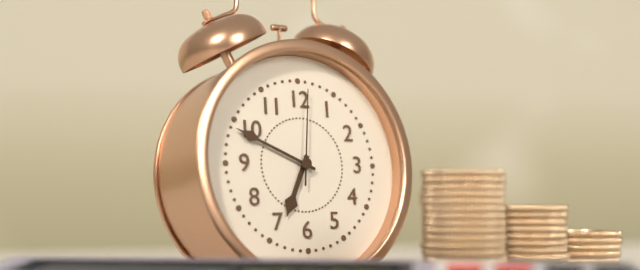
6 h 49 min 01 s
